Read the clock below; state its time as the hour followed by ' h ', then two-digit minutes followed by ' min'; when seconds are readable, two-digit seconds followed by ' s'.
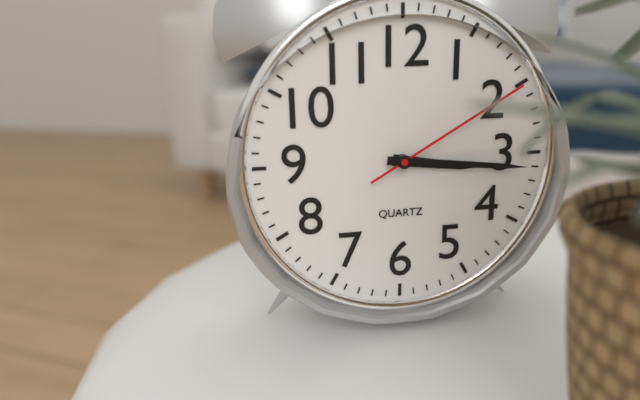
3 h 16 min 10 s
